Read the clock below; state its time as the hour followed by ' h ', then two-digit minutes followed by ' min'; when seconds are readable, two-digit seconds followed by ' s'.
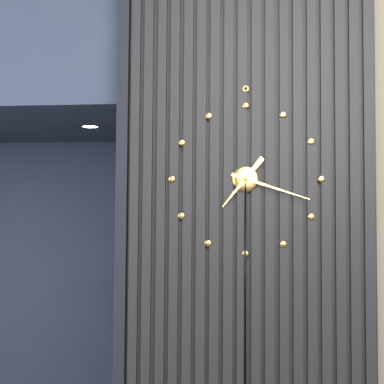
7 h 18 min
